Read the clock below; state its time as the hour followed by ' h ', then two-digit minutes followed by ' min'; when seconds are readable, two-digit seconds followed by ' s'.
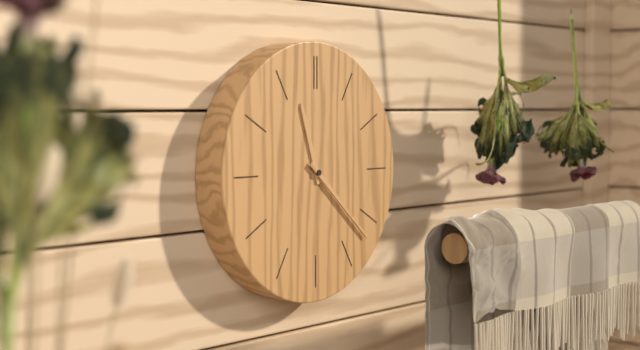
11 h 22 min
